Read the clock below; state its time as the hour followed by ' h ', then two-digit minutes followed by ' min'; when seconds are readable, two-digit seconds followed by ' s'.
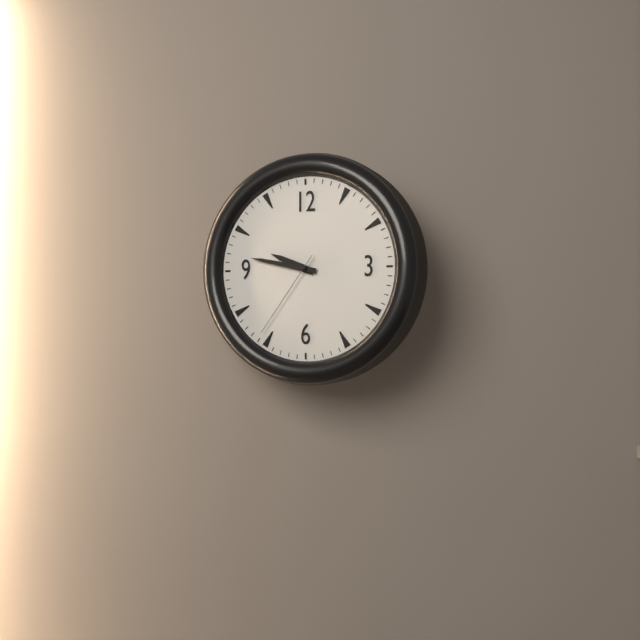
9 h 47 min 36 s
